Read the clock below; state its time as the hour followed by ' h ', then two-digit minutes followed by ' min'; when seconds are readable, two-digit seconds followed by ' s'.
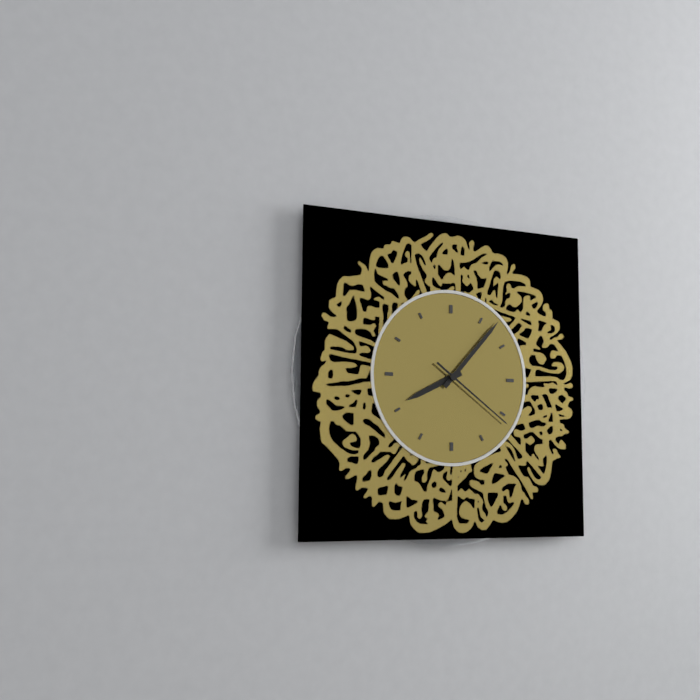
8 h 07 min 21 s
